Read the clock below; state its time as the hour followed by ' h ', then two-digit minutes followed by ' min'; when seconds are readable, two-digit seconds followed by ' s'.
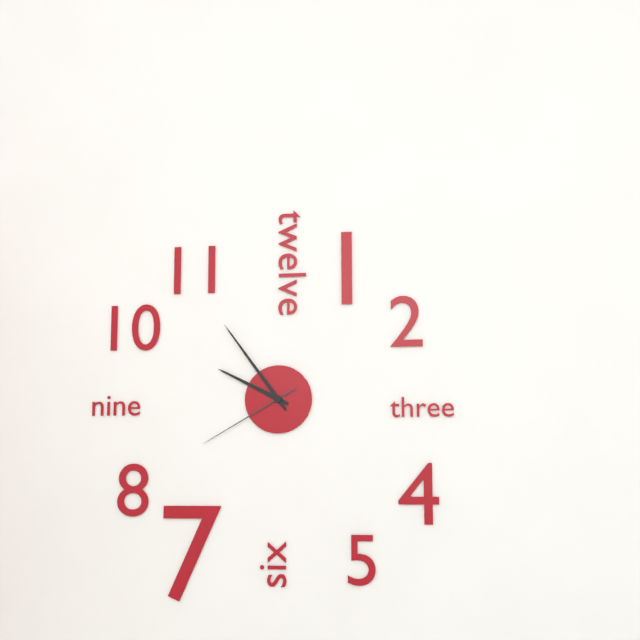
9 h 54 min 40 s
